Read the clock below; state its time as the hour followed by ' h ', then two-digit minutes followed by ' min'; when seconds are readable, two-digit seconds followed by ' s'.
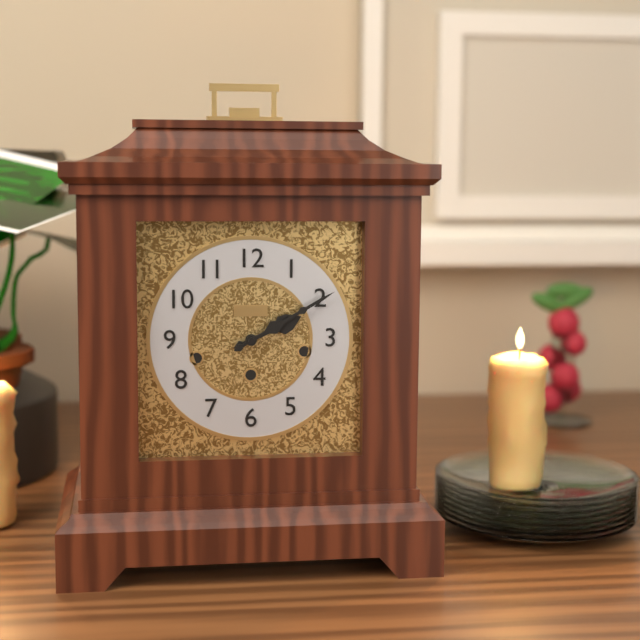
2 h 10 min
